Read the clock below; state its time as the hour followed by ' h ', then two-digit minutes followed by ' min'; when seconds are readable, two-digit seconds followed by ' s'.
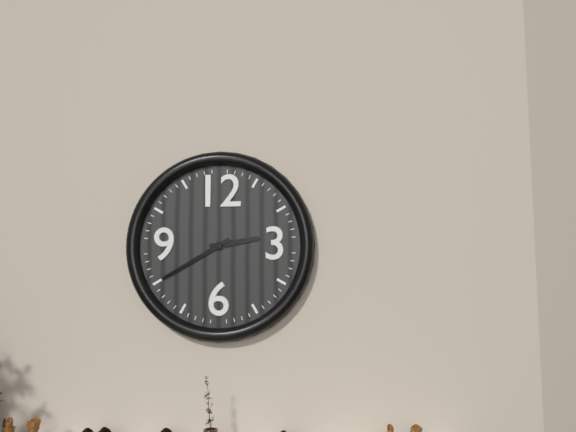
2 h 40 min
